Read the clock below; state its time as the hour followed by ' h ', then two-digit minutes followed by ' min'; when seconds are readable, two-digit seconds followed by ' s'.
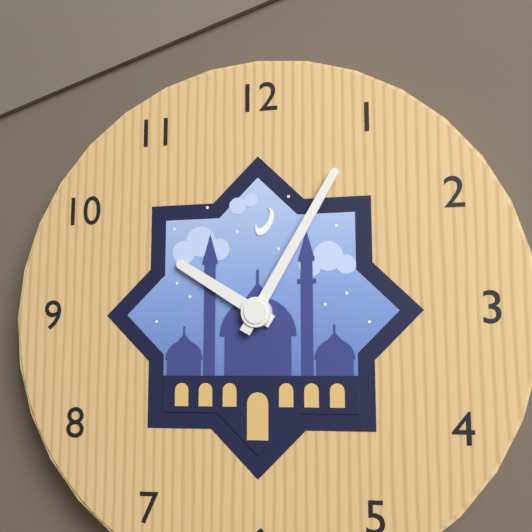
10 h 05 min
